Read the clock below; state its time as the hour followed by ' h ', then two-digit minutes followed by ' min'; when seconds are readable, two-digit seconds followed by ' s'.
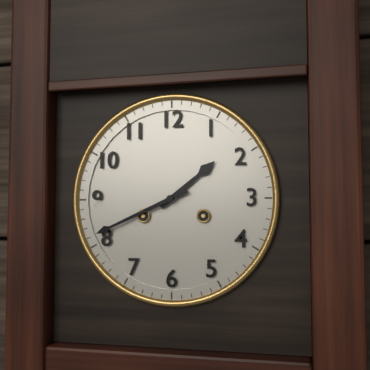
1 h 41 min
